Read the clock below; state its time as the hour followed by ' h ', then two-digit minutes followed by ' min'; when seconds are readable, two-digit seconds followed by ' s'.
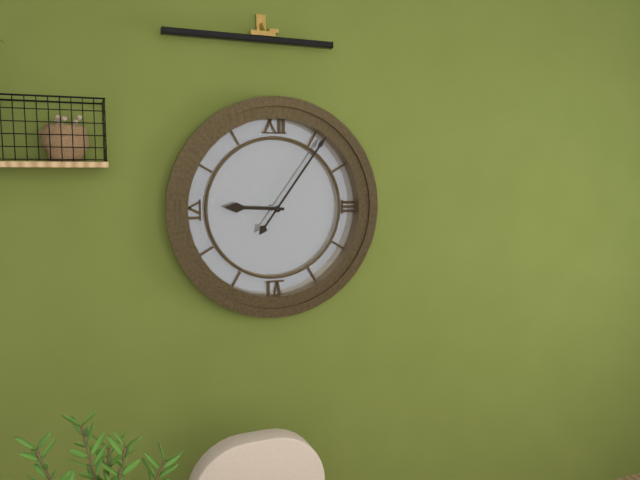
9 h 06 min
